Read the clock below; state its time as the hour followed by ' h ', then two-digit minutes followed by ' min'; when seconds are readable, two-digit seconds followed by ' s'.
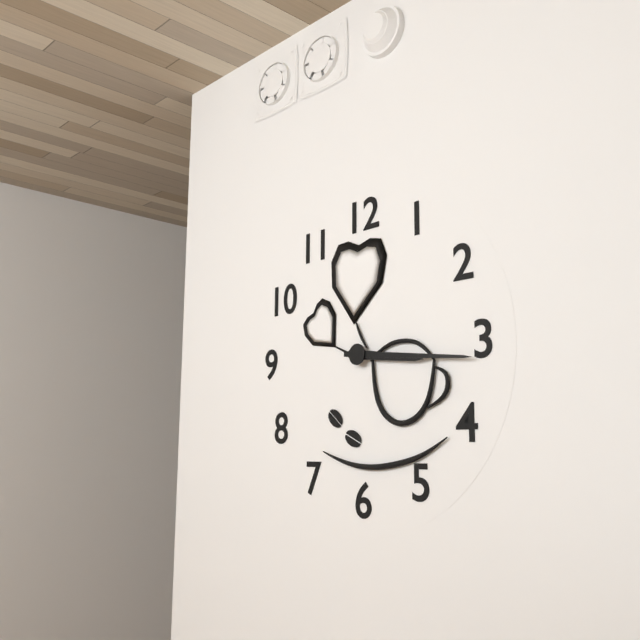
3 h 16 min
